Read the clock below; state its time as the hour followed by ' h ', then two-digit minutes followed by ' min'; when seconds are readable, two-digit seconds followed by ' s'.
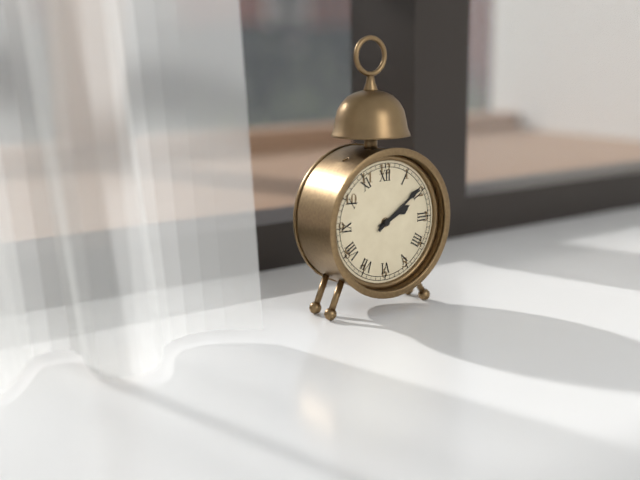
2 h 09 min
